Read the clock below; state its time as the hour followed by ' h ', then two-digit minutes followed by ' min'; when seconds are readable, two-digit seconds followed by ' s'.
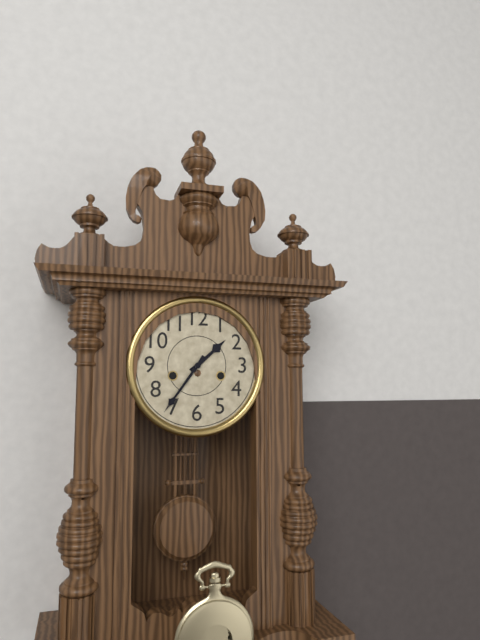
1 h 36 min
